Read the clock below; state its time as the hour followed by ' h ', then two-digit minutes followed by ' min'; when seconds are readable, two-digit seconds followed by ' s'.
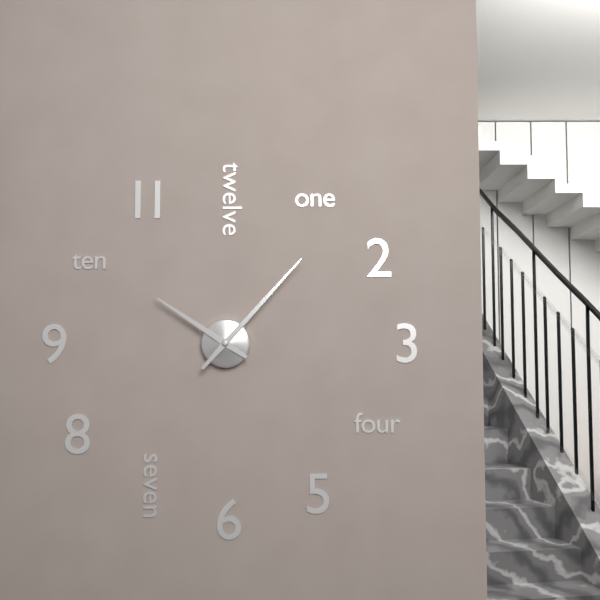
10 h 07 min
